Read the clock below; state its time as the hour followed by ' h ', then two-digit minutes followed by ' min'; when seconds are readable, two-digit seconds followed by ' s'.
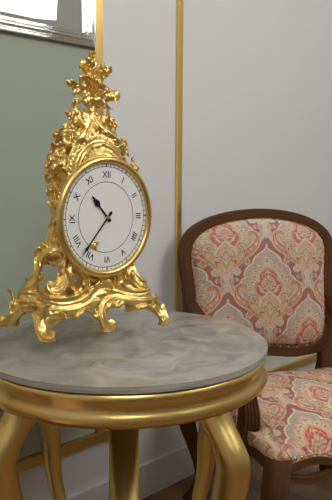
10 h 37 min
